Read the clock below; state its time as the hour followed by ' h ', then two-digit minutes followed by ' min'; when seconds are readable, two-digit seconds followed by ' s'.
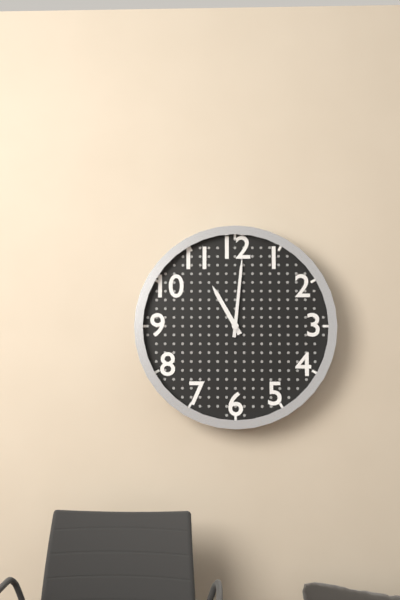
11 h 01 min
